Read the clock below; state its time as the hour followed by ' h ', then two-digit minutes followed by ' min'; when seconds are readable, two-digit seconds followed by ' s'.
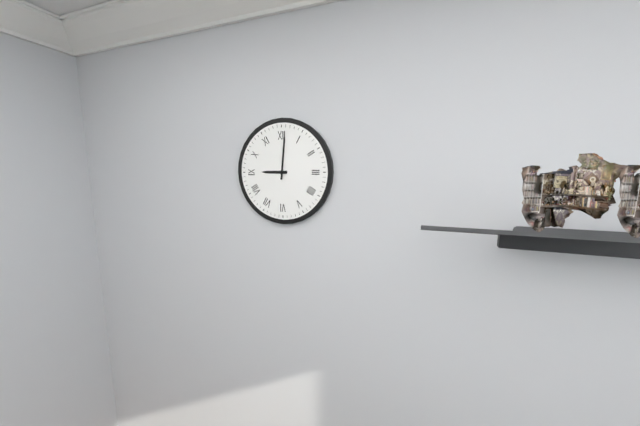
9 h 01 min
